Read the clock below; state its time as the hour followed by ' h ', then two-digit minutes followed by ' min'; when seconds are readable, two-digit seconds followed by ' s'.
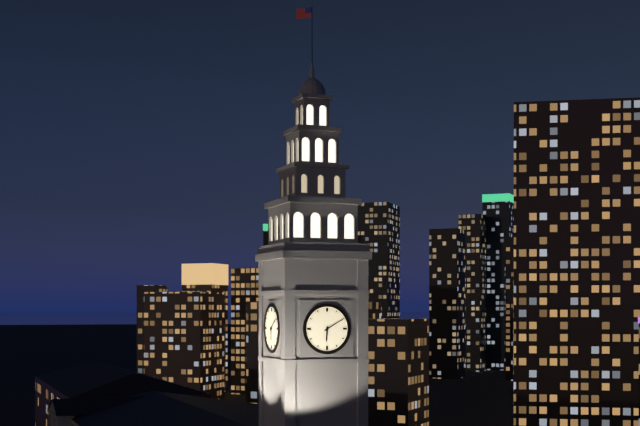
6 h 10 min
